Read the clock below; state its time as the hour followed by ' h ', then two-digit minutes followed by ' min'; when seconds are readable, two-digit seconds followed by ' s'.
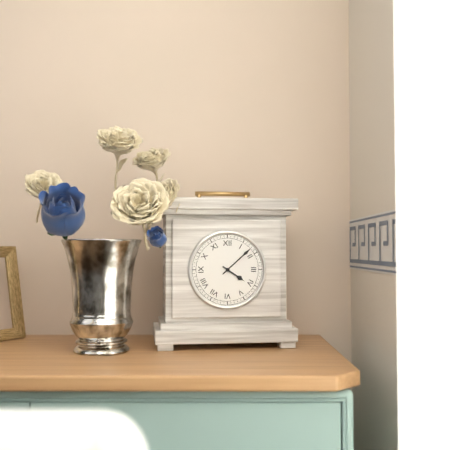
4 h 08 min
